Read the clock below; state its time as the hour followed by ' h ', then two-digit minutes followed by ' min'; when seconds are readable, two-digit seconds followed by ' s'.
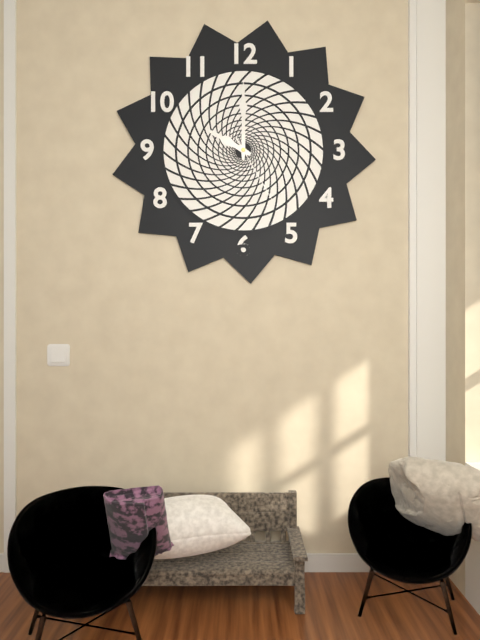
10 h 00 min 25 s
